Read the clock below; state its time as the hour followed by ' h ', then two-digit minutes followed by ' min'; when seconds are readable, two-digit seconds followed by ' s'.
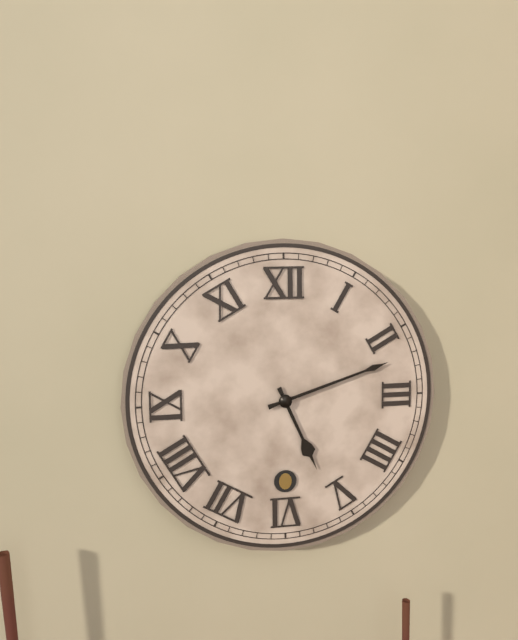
5 h 12 min
